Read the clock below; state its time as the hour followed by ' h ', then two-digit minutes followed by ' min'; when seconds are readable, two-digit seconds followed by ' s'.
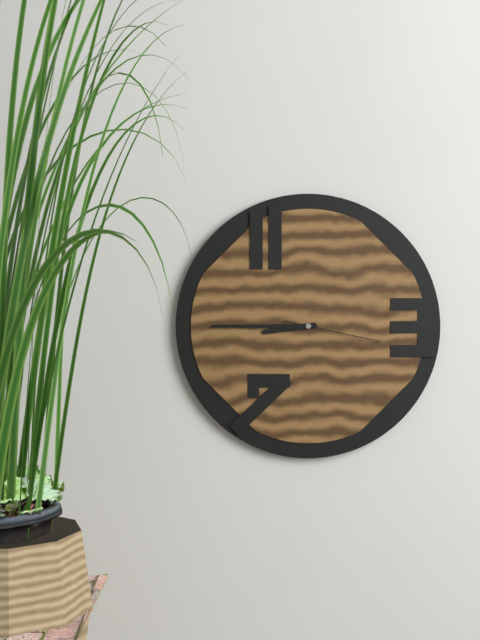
8 h 45 min 17 s
